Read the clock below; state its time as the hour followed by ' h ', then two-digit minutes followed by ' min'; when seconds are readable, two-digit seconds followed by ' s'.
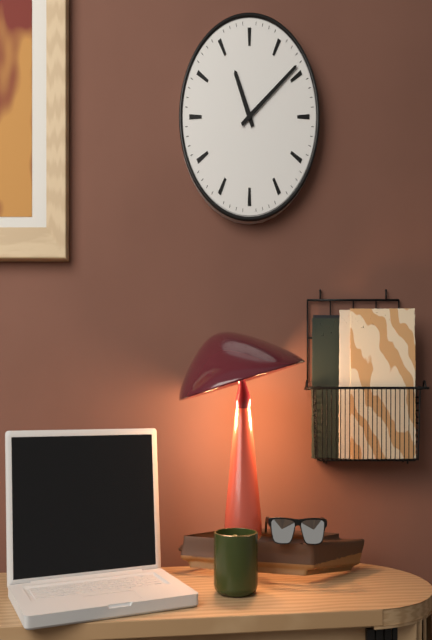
11 h 09 min
